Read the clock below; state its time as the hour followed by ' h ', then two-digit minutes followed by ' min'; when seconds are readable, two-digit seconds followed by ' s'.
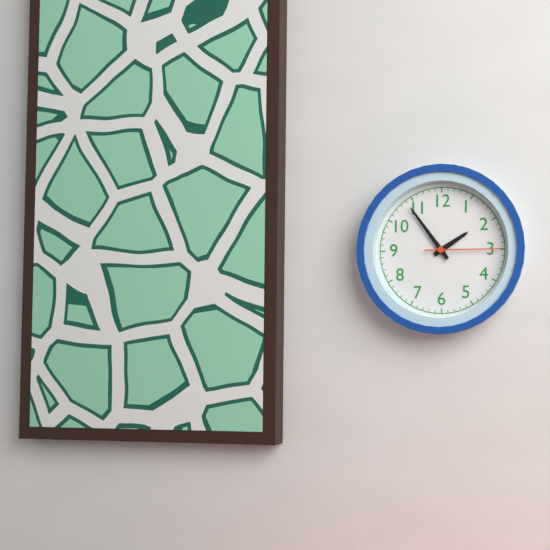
1 h 54 min 15 s
